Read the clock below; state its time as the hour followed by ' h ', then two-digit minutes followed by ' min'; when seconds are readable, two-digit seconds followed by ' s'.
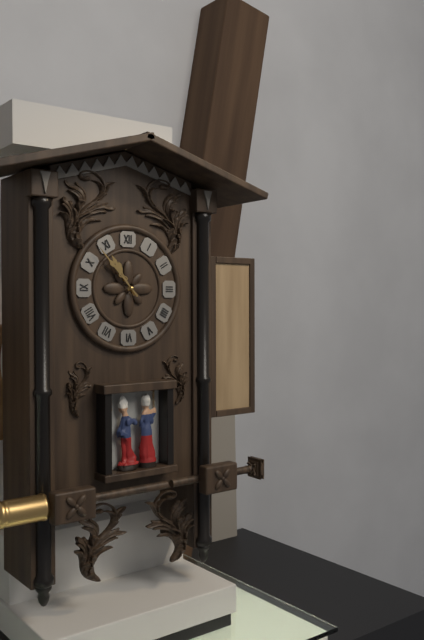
10 h 53 min
